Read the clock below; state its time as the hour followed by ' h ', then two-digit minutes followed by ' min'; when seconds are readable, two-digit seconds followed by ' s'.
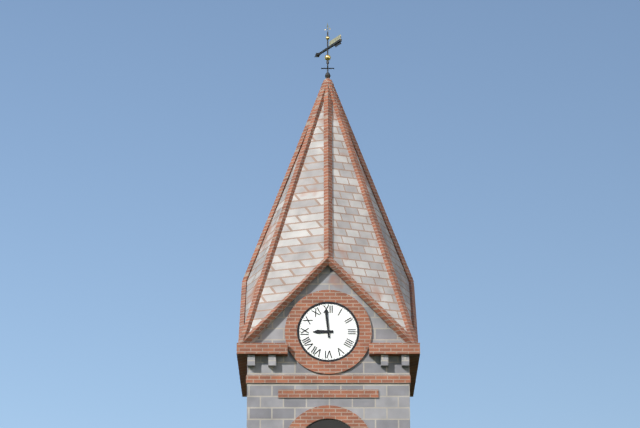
8 h 59 min
